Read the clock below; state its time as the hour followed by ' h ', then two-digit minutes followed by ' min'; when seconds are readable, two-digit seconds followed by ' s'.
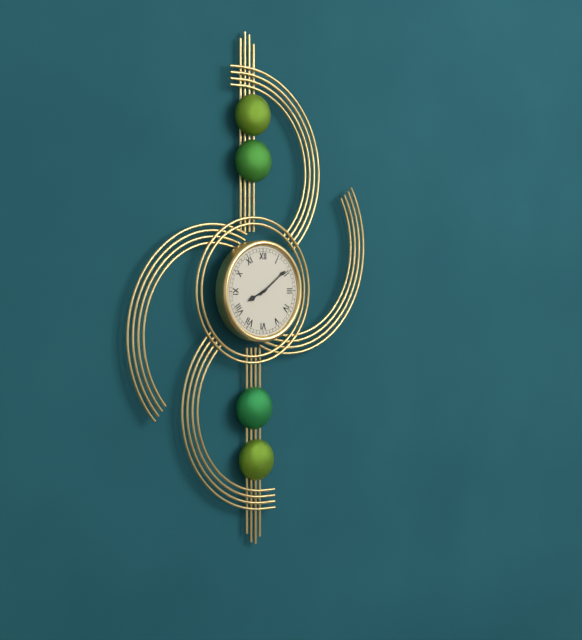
8 h 09 min
